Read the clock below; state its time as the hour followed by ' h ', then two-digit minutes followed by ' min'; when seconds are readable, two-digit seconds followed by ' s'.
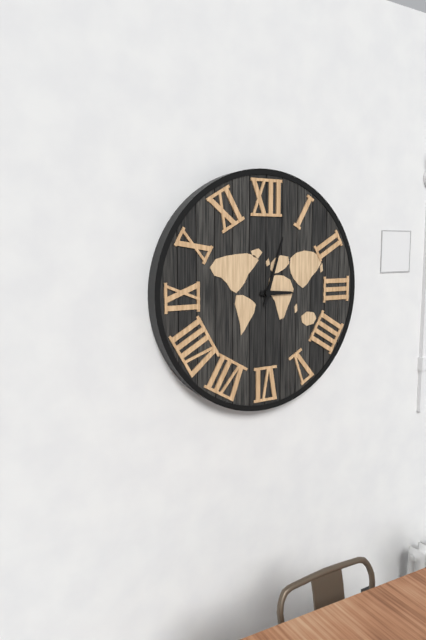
3 h 03 min
